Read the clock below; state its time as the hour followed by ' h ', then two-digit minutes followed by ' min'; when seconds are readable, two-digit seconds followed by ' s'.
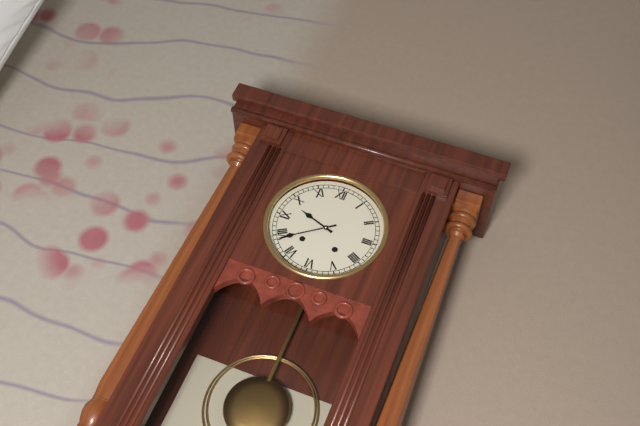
9 h 39 min
